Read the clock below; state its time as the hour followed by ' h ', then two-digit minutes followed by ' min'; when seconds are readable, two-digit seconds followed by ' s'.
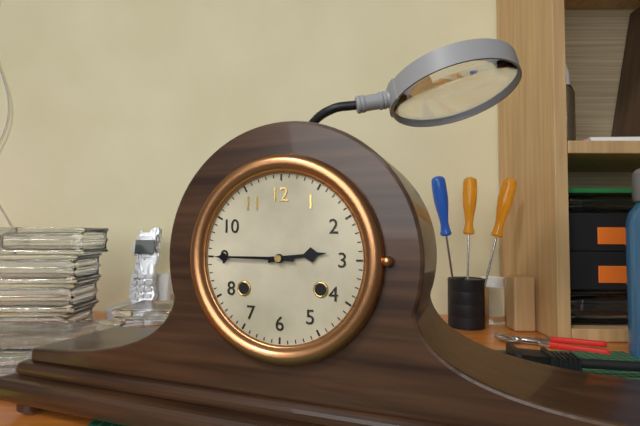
2 h 45 min
